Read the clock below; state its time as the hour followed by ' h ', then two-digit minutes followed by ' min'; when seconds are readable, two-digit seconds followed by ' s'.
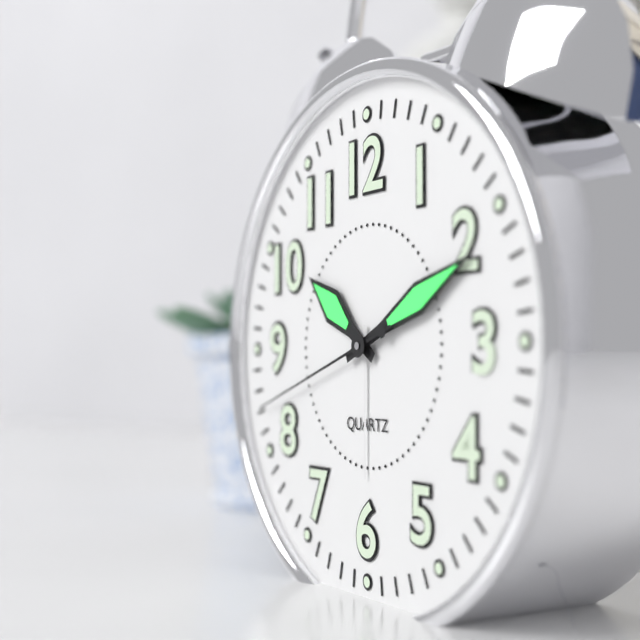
10 h 11 min 42 s
